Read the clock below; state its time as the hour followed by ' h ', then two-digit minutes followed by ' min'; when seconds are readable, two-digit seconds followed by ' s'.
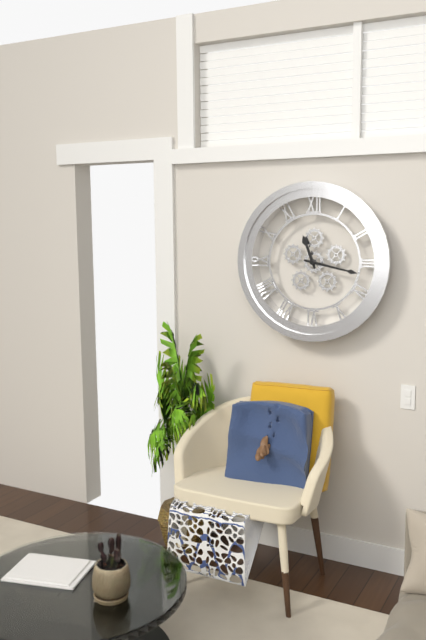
11 h 17 min
